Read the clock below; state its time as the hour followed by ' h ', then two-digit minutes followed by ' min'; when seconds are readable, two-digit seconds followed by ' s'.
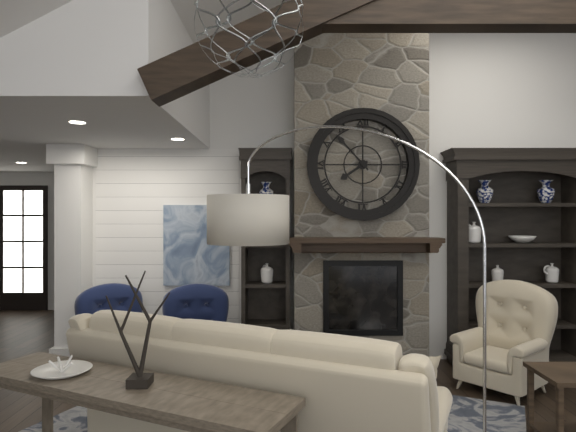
7 h 53 min
